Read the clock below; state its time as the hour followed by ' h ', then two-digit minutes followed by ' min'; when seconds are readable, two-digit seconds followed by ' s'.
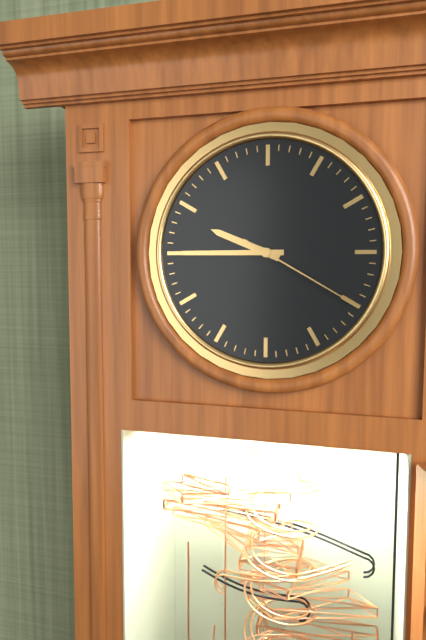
9 h 45 min 20 s
